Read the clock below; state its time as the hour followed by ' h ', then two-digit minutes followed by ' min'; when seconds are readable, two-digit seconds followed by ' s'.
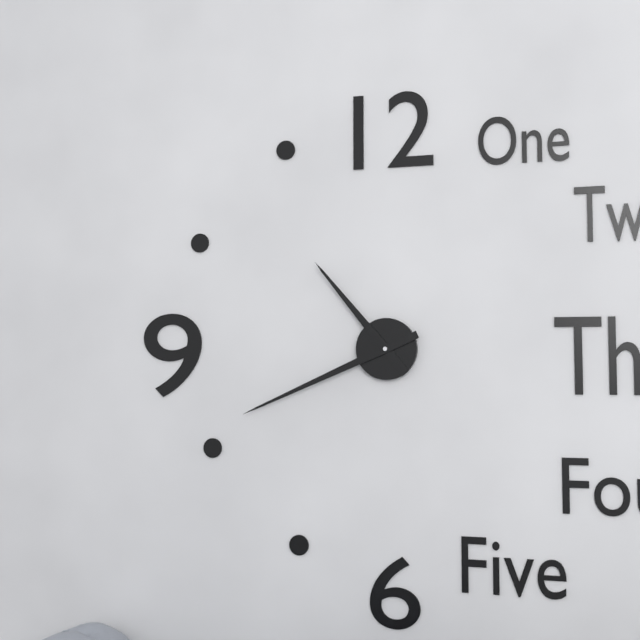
10 h 41 min
